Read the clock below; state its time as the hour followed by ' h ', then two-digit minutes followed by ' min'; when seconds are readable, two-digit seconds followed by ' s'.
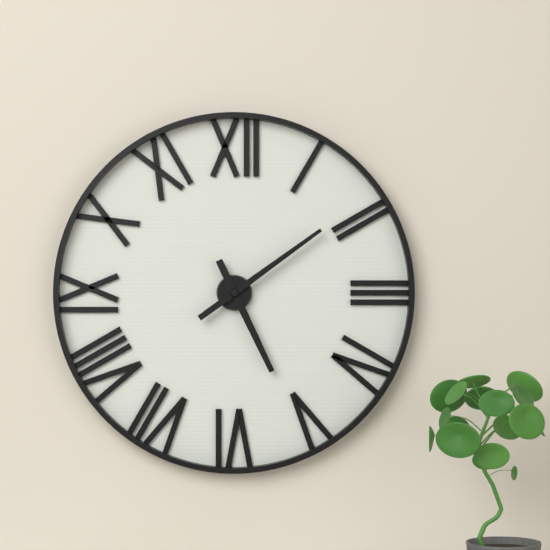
5 h 09 min
